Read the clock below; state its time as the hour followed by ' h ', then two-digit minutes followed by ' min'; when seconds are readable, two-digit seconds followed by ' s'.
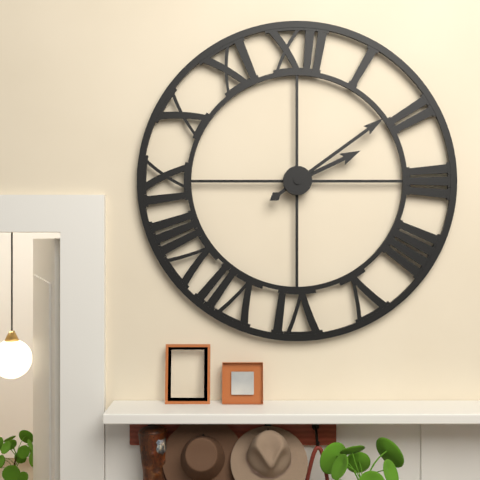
2 h 09 min
